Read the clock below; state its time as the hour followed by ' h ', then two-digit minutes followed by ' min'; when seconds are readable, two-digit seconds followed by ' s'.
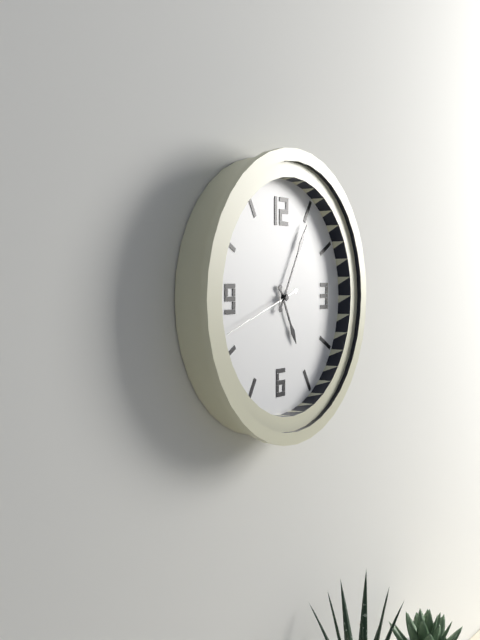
5 h 05 min 42 s
